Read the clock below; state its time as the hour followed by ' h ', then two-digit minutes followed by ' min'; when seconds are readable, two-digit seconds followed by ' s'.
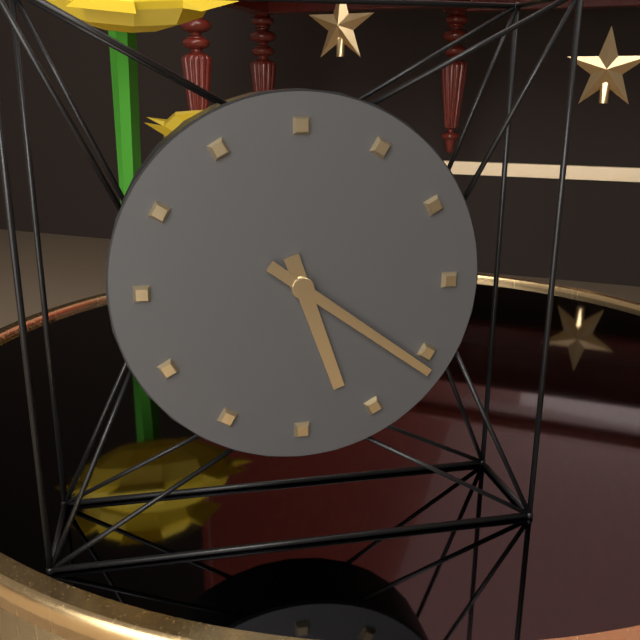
5 h 21 min
